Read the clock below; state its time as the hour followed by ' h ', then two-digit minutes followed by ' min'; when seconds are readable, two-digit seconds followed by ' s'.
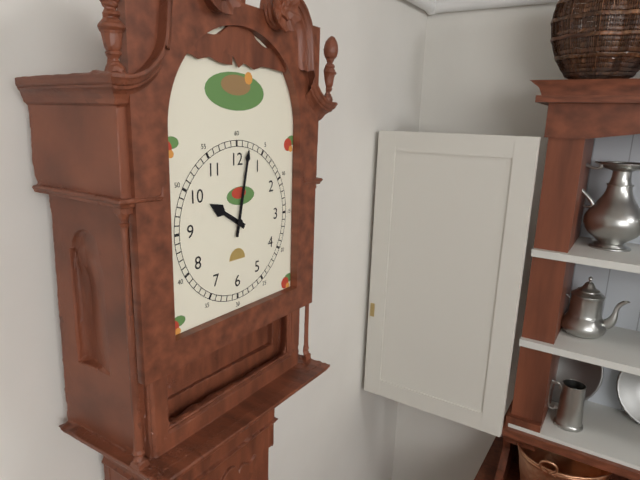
10 h 02 min
